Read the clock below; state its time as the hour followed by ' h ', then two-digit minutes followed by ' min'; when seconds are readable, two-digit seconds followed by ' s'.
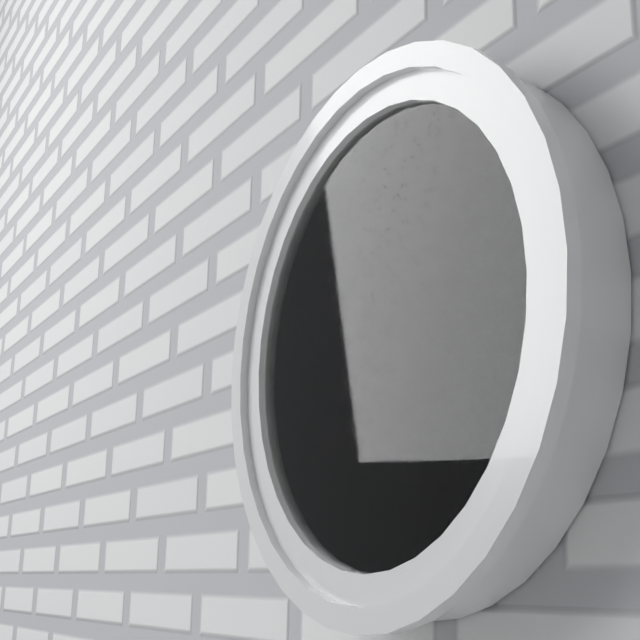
4 h 24 min 35 s
